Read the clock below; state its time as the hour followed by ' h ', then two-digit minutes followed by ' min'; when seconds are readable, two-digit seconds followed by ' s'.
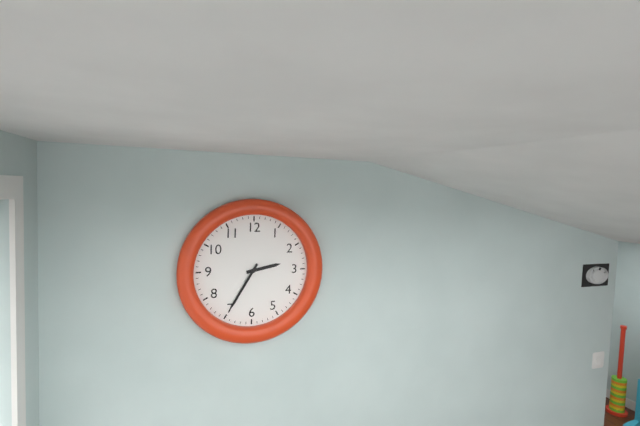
2 h 35 min
